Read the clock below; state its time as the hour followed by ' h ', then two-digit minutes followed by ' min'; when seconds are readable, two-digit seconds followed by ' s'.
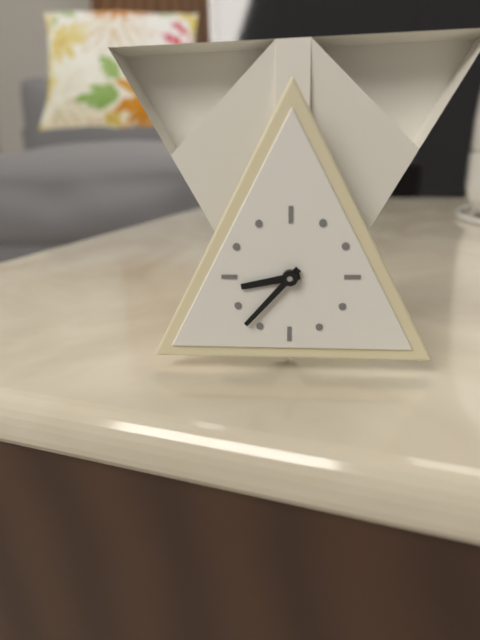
8 h 37 min
